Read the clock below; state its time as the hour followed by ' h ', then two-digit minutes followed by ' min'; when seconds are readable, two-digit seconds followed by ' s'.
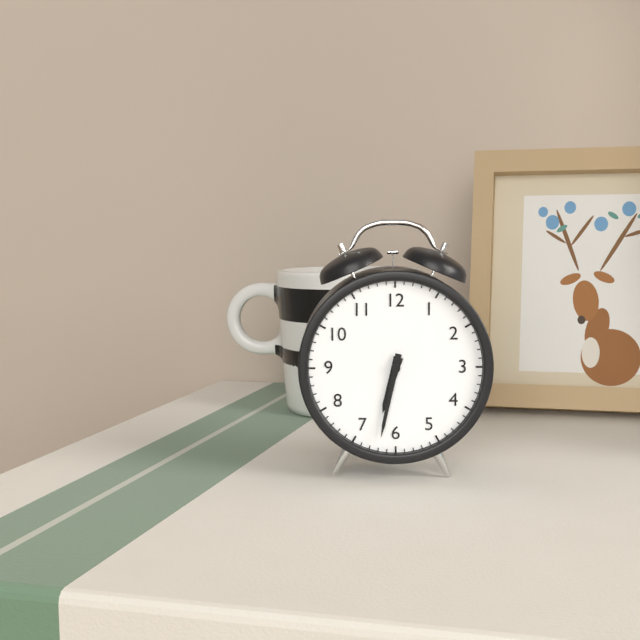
6 h 32 min
